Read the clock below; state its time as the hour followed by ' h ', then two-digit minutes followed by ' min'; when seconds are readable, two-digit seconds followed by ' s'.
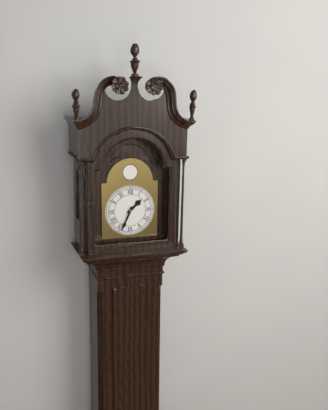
1 h 34 min
